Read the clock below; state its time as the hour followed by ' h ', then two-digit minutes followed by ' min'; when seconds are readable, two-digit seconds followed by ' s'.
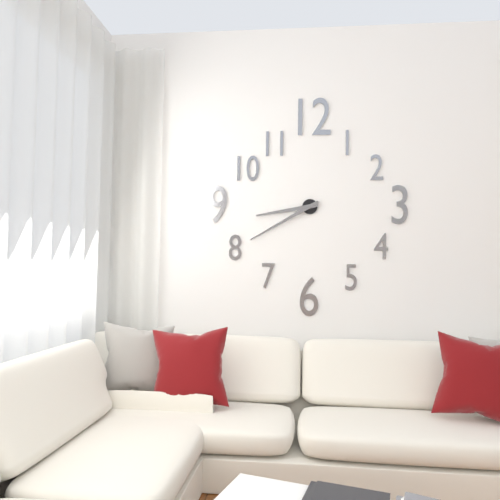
8 h 40 min
